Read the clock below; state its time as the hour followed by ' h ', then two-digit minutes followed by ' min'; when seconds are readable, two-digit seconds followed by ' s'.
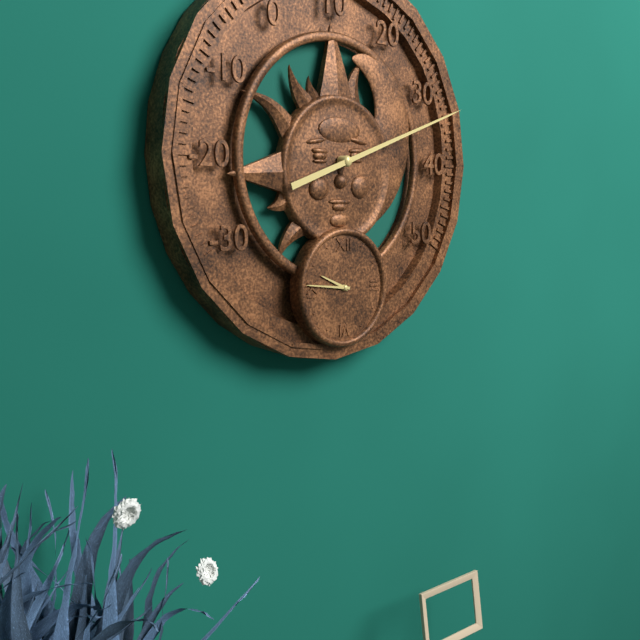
9 h 46 min
